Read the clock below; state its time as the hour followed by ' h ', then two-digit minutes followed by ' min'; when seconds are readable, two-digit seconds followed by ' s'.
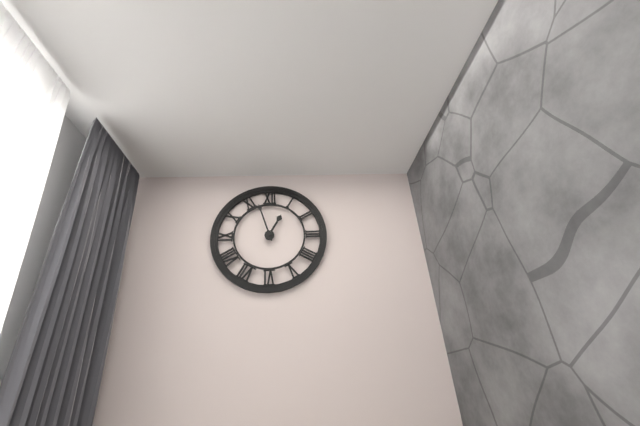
12 h 57 min
